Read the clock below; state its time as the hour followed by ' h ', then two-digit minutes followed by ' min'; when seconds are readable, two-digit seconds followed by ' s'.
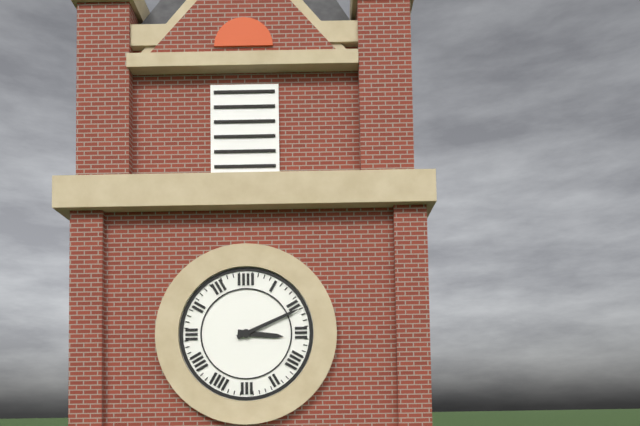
3 h 11 min
